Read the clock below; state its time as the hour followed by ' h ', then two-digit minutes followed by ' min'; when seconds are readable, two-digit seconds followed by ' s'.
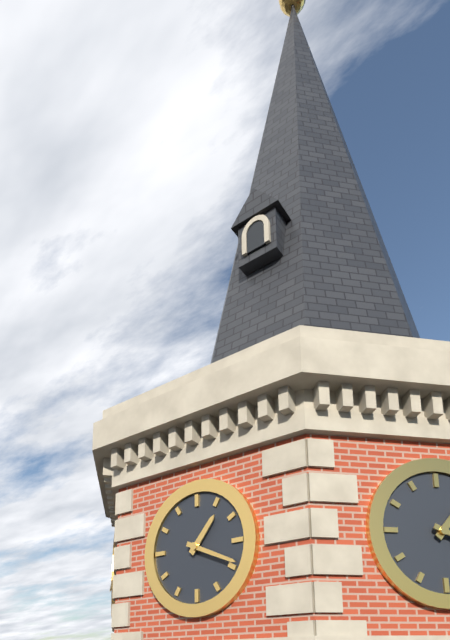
1 h 19 min
